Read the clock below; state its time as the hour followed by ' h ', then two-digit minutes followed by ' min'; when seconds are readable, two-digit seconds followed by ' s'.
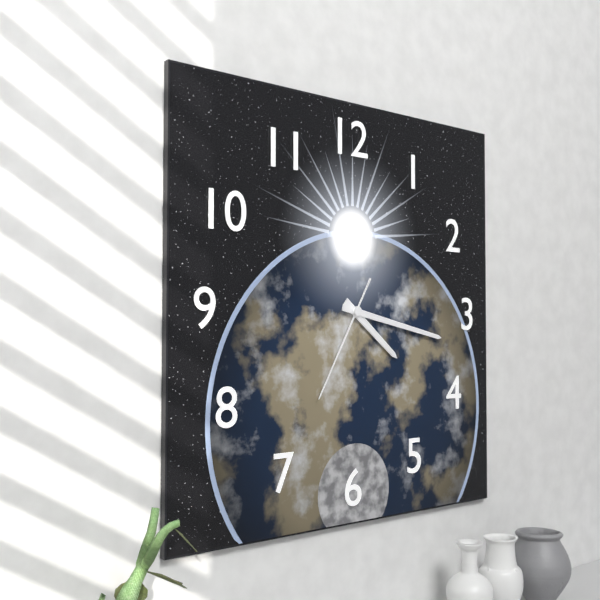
4 h 17 min 35 s
